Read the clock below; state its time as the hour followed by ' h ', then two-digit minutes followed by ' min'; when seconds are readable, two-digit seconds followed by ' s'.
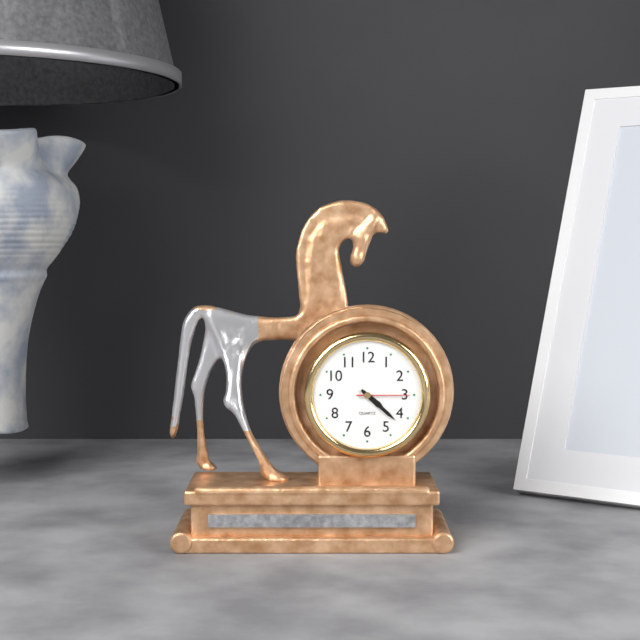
4 h 22 min 15 s
